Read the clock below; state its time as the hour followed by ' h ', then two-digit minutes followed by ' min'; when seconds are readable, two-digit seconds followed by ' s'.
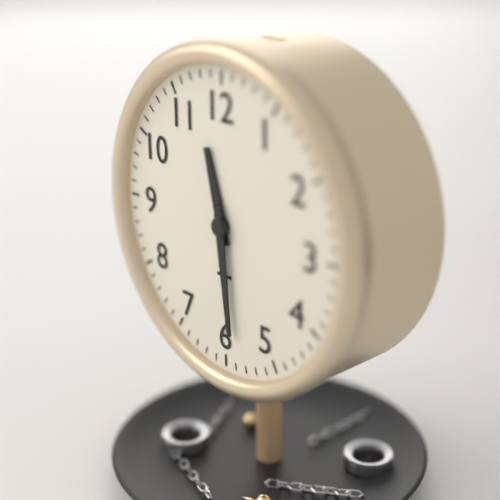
11 h 29 min
